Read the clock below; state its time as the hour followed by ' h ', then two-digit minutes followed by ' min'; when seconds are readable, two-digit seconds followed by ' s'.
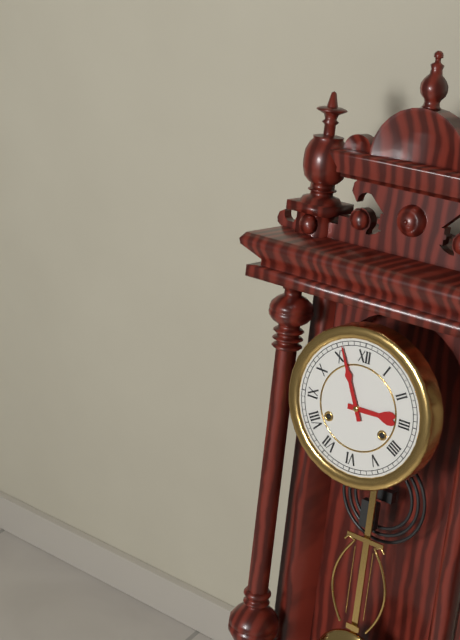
2 h 56 min
